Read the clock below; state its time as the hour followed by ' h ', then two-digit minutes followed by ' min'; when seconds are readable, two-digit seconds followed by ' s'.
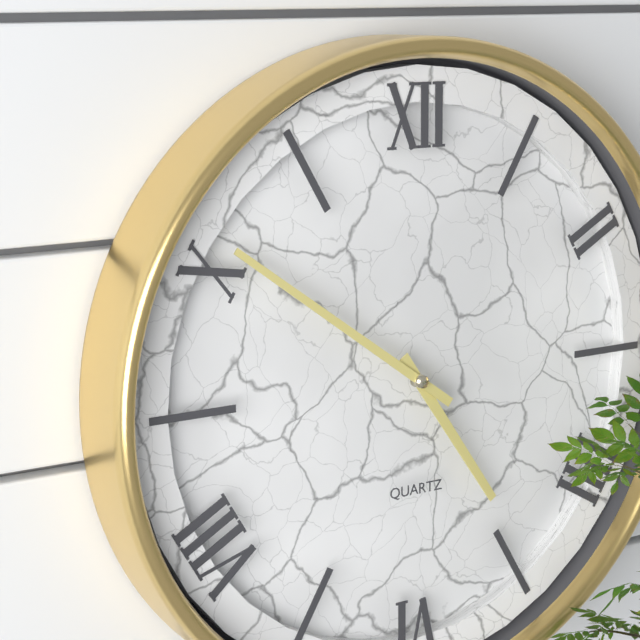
4 h 51 min
